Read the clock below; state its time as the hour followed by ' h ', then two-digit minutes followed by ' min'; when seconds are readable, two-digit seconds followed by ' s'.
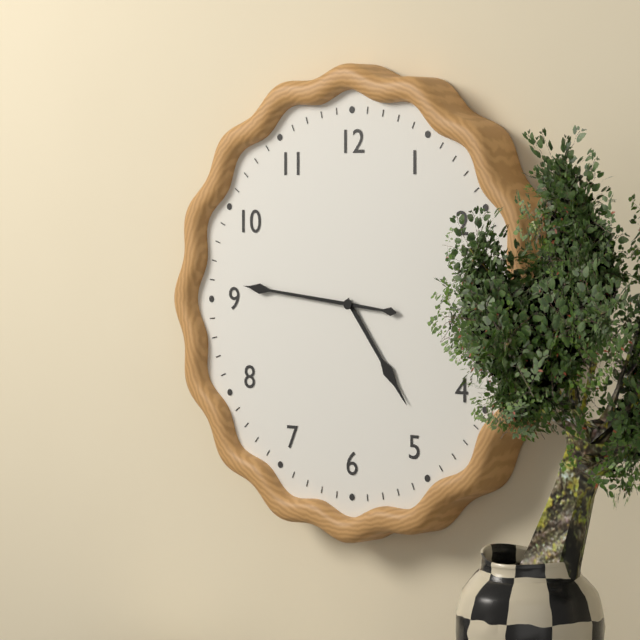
4 h 46 min
